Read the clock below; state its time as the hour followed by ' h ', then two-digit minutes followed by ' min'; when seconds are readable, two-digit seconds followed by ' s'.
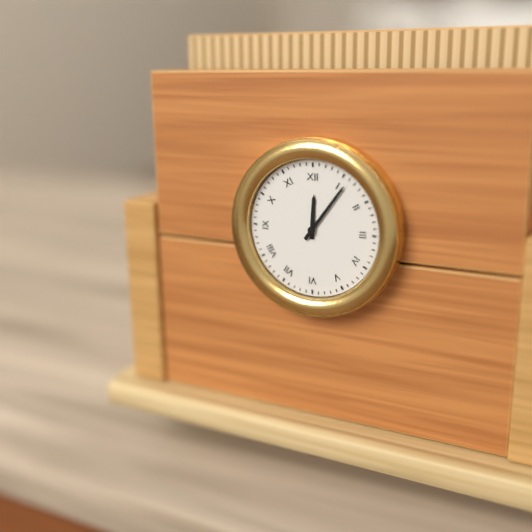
12 h 06 min
